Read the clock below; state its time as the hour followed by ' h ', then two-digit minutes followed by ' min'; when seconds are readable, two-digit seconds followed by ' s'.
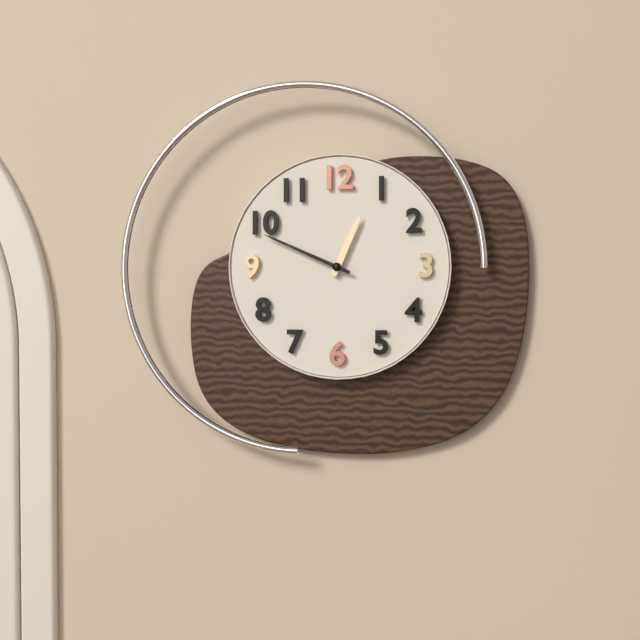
12 h 49 min
